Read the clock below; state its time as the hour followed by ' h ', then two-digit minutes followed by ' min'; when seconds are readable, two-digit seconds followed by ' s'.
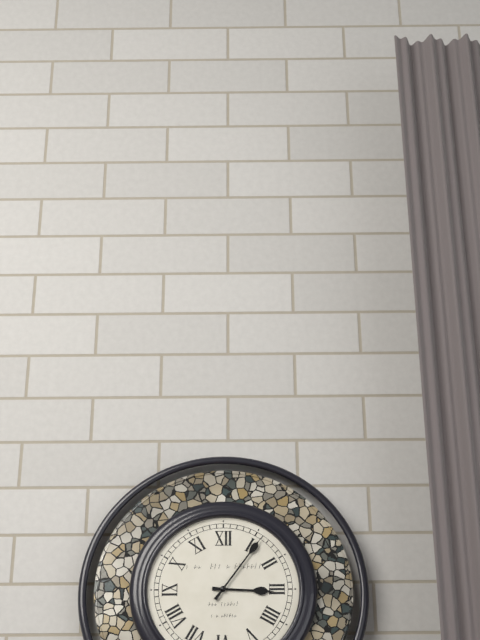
3 h 06 min
